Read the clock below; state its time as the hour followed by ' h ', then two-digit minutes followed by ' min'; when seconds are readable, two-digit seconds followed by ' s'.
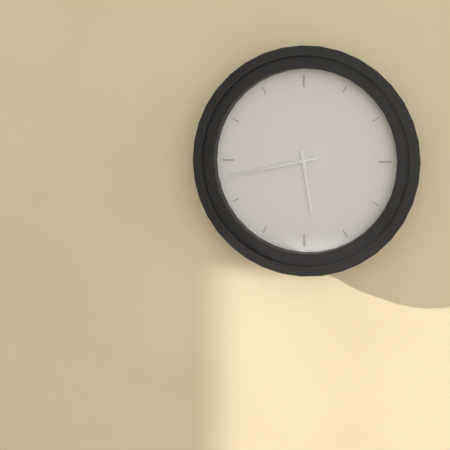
5 h 43 min
